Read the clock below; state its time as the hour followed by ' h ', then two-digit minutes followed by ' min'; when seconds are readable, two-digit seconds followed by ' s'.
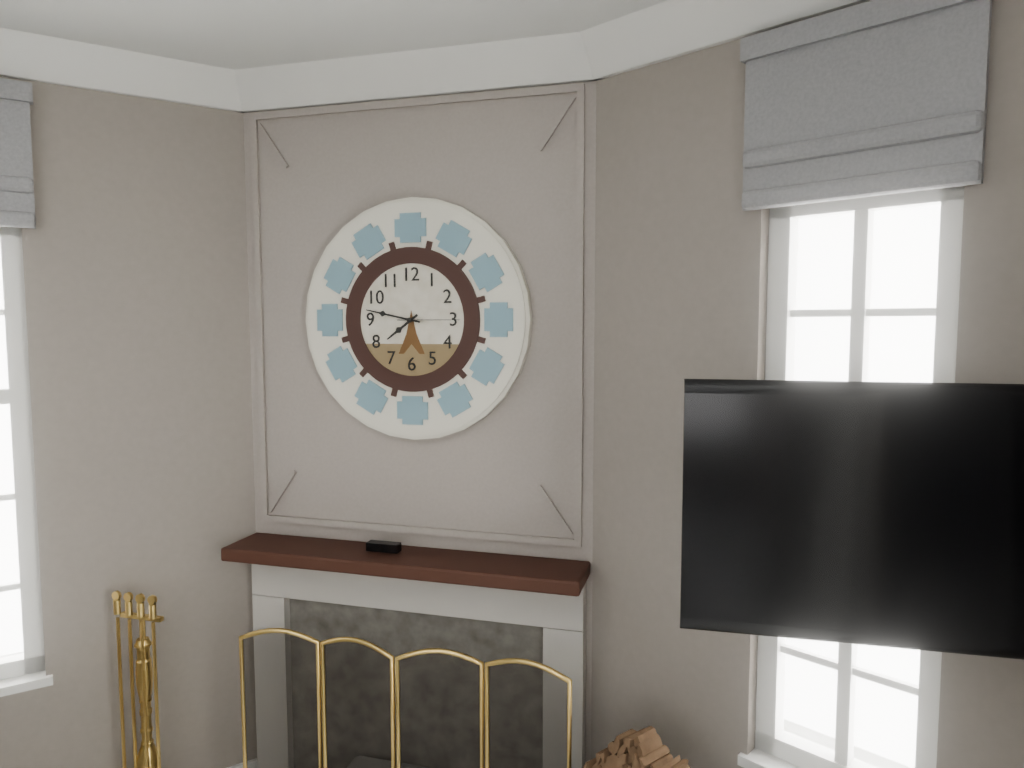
7 h 47 min 15 s
